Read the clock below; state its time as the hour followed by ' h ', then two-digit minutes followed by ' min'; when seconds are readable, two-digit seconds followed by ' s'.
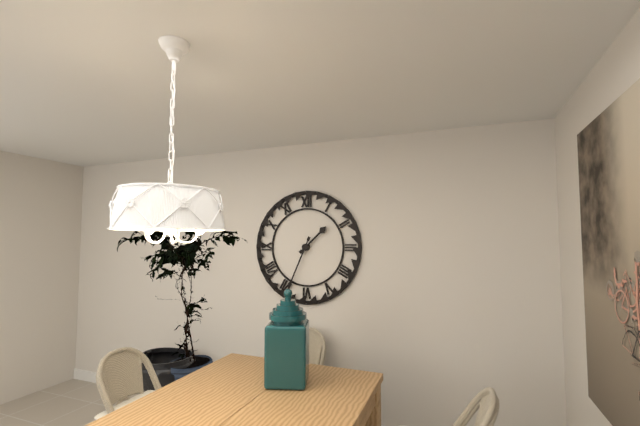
1 h 34 min
